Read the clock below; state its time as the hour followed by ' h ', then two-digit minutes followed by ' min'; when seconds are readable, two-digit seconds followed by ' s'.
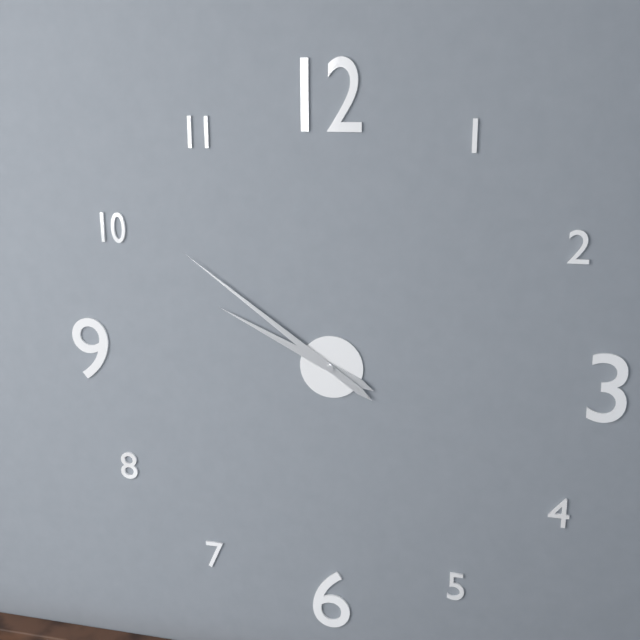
9 h 51 min
